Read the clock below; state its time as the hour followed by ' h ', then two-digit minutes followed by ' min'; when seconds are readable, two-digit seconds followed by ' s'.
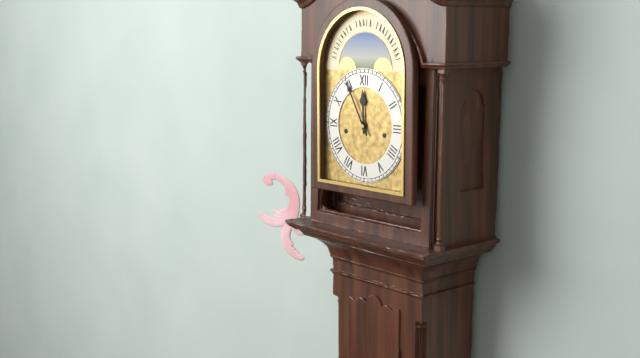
11 h 55 min
